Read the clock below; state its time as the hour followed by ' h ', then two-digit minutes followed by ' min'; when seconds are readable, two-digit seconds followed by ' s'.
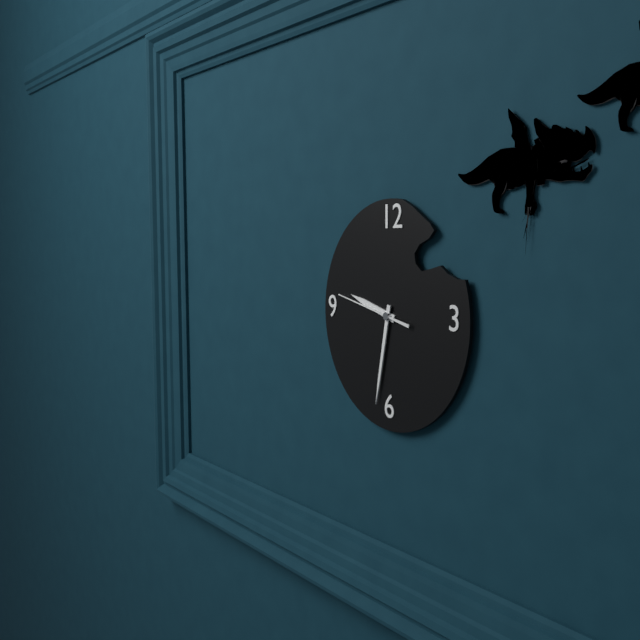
9 h 32 min 47 s
